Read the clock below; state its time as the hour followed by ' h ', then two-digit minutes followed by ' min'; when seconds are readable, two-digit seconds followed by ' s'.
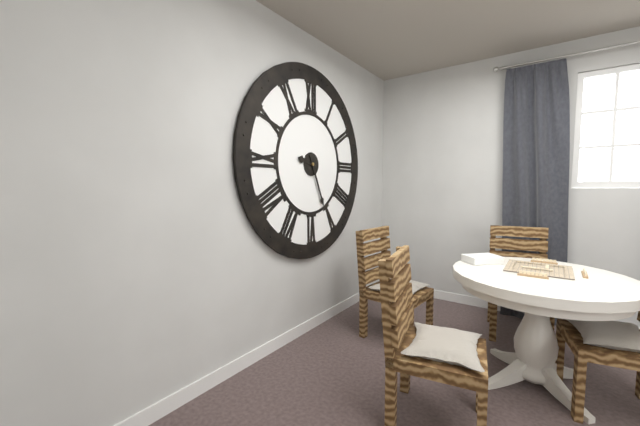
9 h 26 min
